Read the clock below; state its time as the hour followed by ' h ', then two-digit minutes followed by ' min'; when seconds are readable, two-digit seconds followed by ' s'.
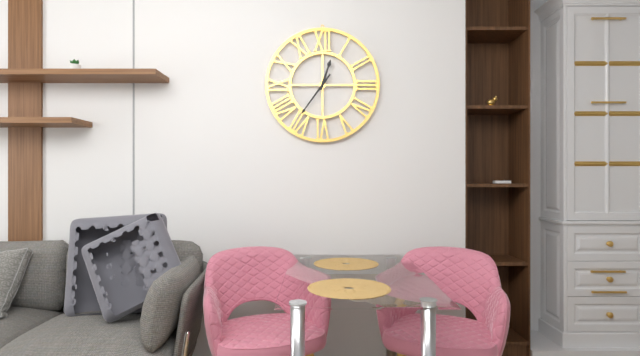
12 h 36 min
